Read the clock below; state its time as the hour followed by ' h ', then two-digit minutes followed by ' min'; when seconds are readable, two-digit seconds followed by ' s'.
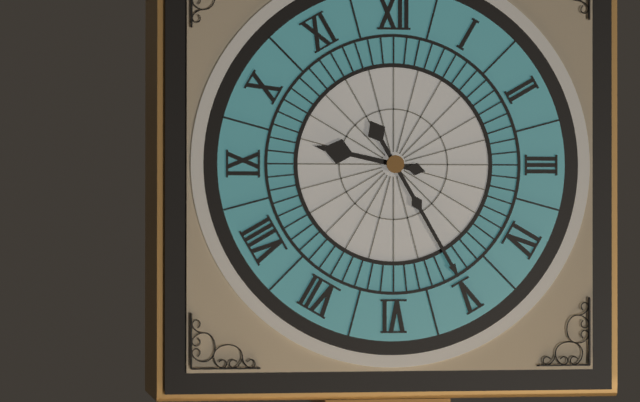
9 h 25 min
